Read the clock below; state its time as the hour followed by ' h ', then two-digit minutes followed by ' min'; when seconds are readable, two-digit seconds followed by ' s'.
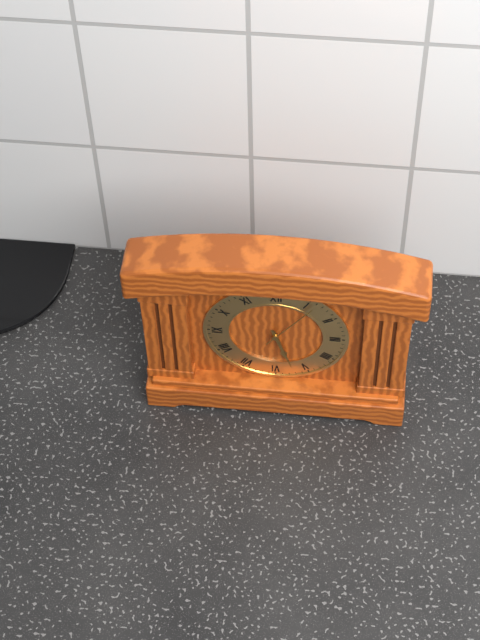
5 h 27 min 06 s
